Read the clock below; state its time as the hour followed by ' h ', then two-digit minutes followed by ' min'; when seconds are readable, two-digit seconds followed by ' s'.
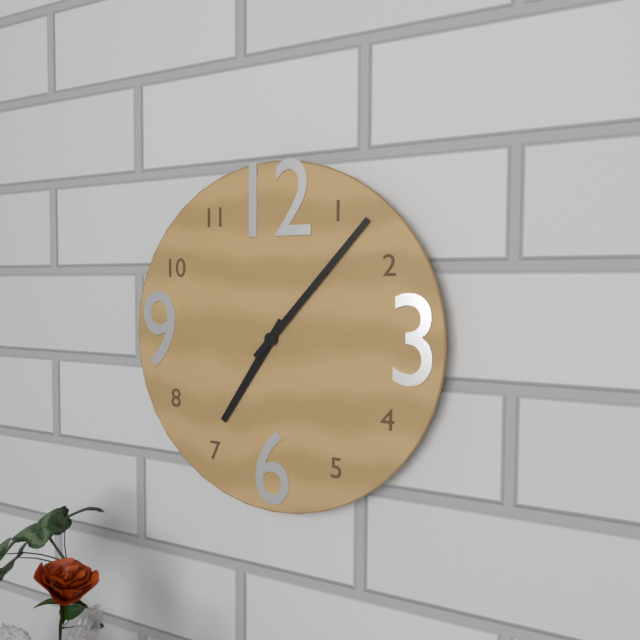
7 h 07 min
